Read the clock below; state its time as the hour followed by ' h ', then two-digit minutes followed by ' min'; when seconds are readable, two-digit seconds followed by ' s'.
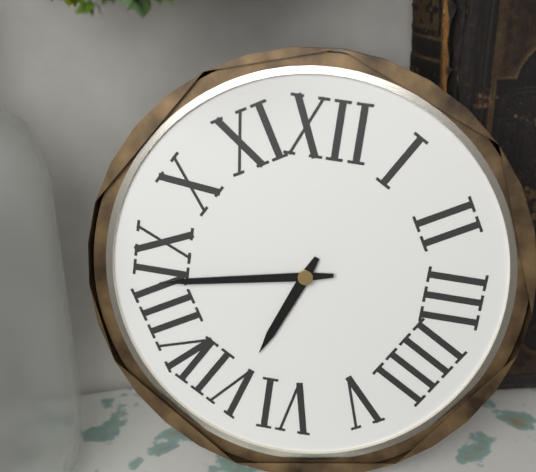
6 h 43 min
